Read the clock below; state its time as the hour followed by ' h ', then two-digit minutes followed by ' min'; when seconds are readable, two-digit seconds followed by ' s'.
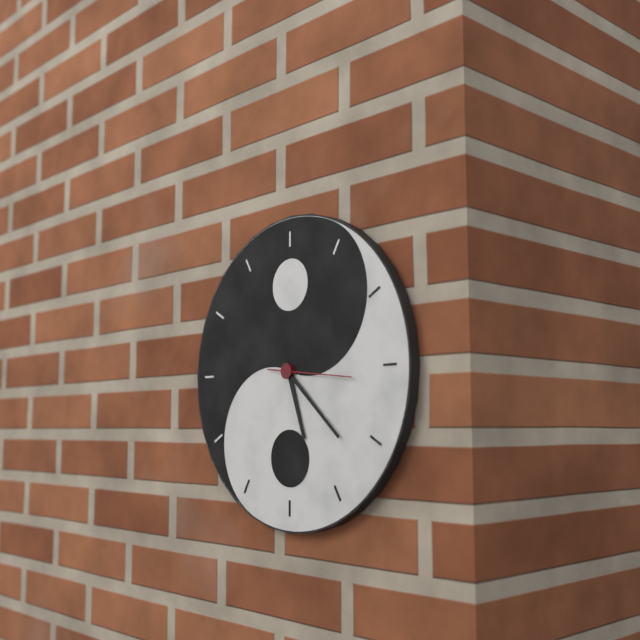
5 h 22 min 16 s
